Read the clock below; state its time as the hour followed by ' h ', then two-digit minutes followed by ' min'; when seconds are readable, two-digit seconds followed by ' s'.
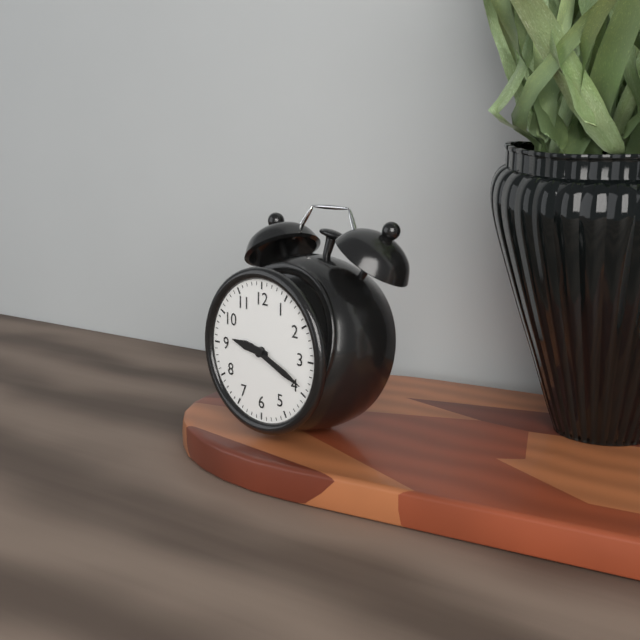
9 h 19 min
